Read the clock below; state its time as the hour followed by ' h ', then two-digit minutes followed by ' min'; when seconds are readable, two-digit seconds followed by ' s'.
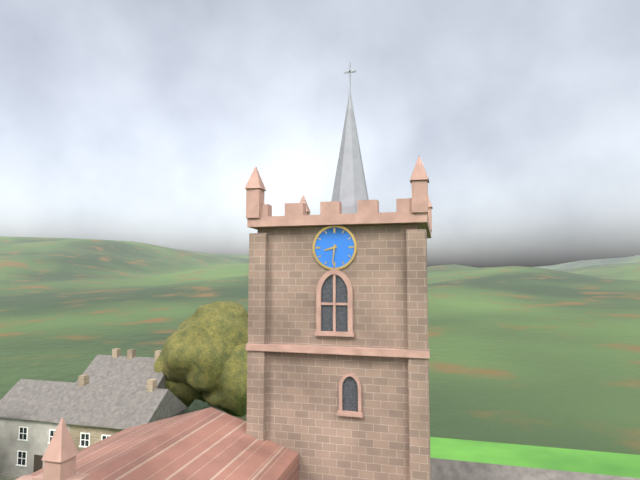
8 h 31 min
